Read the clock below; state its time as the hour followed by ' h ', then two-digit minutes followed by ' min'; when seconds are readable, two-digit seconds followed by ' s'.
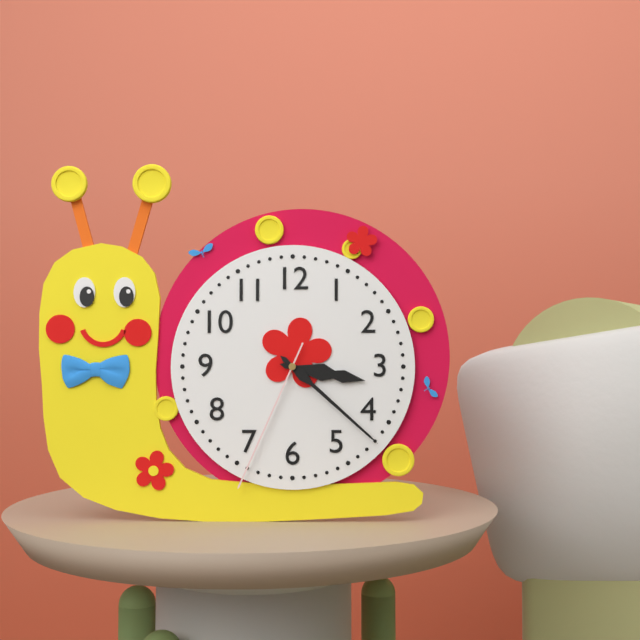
3 h 22 min 34 s
